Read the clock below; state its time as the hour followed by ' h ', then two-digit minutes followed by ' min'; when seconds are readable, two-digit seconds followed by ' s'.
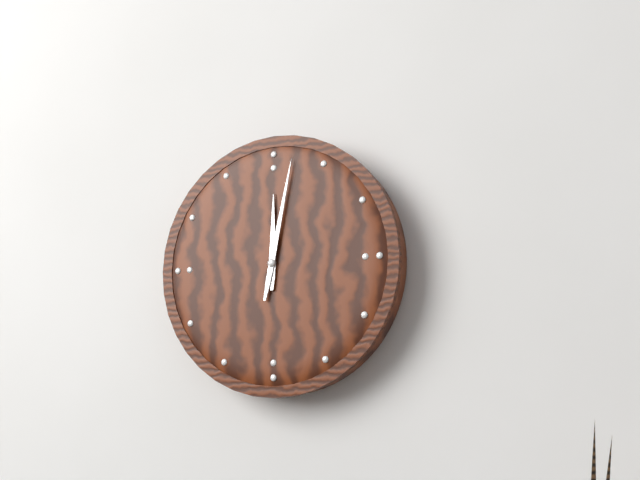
12 h 02 min
